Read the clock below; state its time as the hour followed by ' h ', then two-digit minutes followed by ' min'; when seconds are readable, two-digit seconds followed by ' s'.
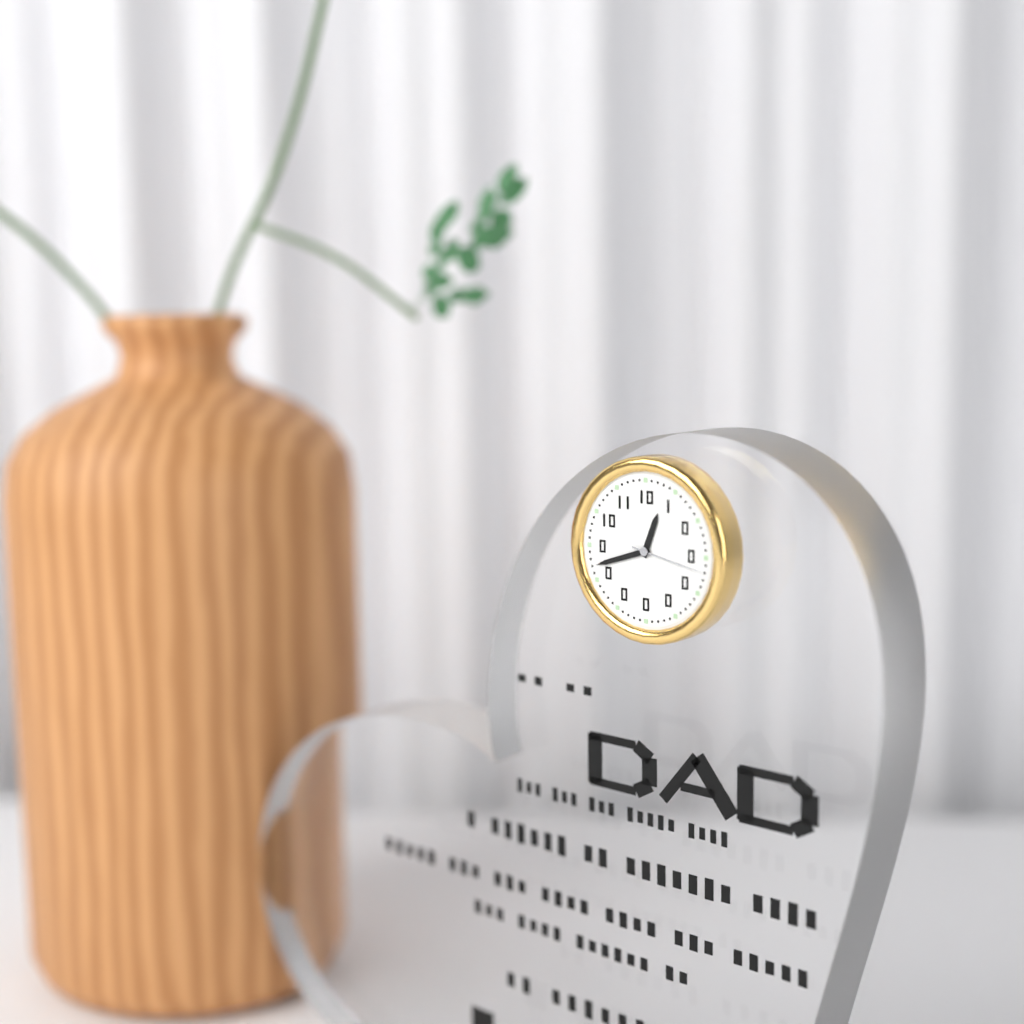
12 h 42 min 17 s
